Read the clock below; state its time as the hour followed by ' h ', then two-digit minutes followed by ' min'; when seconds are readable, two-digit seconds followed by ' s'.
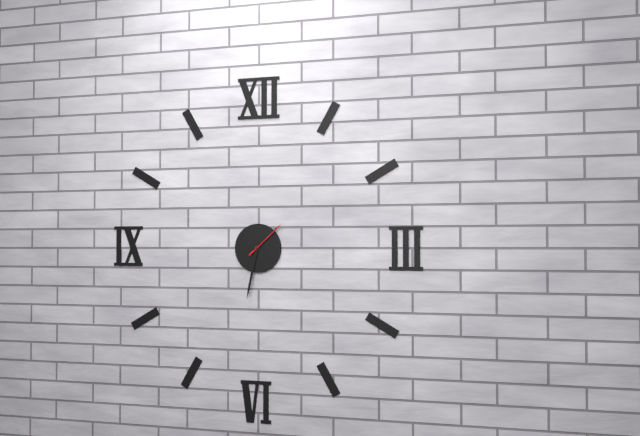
1 h 32 min
